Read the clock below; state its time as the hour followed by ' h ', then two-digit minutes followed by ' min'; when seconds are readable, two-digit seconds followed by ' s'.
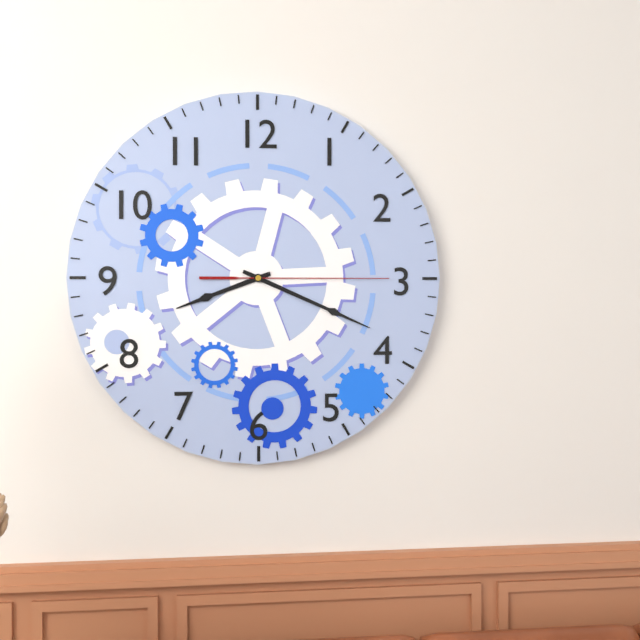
8 h 19 min 15 s
